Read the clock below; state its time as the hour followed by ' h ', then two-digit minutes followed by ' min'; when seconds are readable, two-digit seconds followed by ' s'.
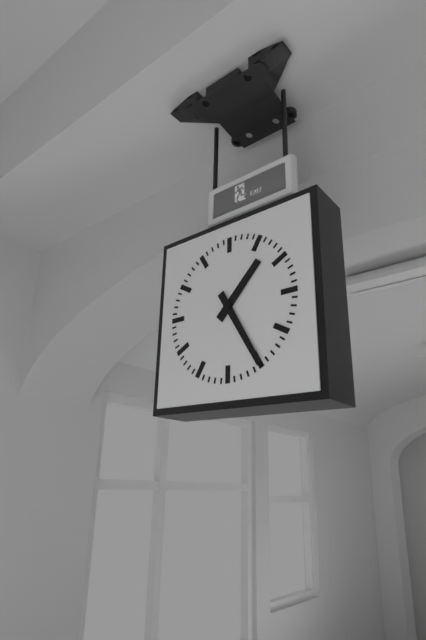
1 h 25 min
